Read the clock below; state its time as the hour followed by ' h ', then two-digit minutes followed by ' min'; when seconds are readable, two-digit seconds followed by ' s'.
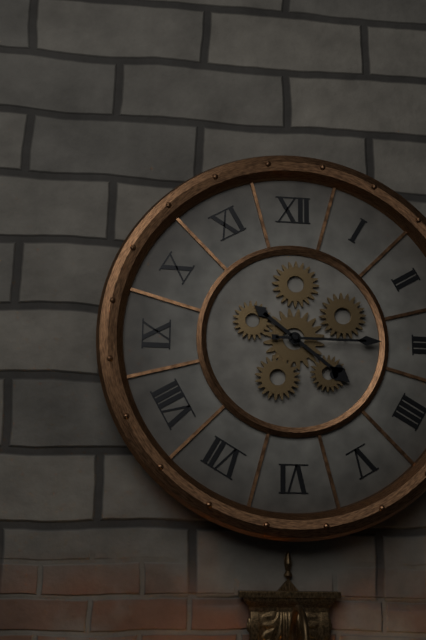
4 h 15 min
